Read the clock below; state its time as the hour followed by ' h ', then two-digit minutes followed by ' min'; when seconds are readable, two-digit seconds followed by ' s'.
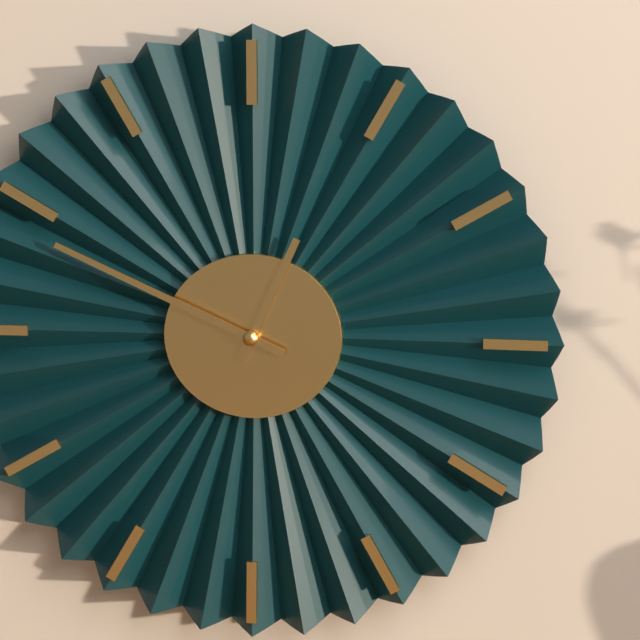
12 h 49 min
